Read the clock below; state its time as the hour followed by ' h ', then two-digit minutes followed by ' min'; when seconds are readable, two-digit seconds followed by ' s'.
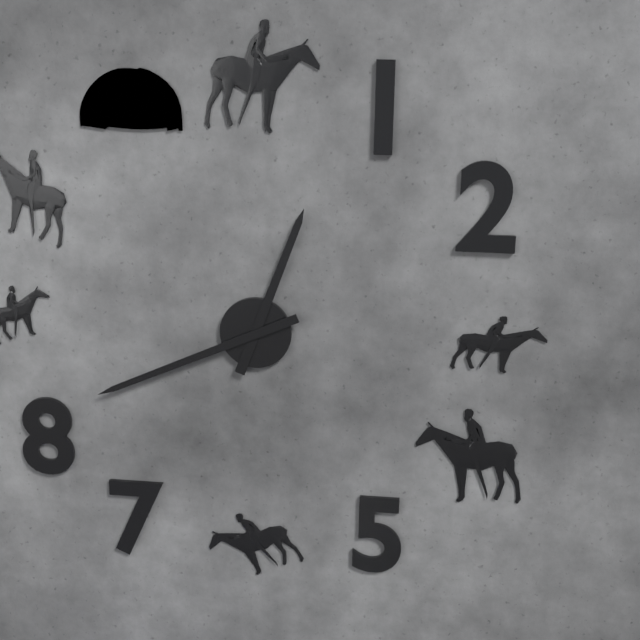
12 h 41 min
